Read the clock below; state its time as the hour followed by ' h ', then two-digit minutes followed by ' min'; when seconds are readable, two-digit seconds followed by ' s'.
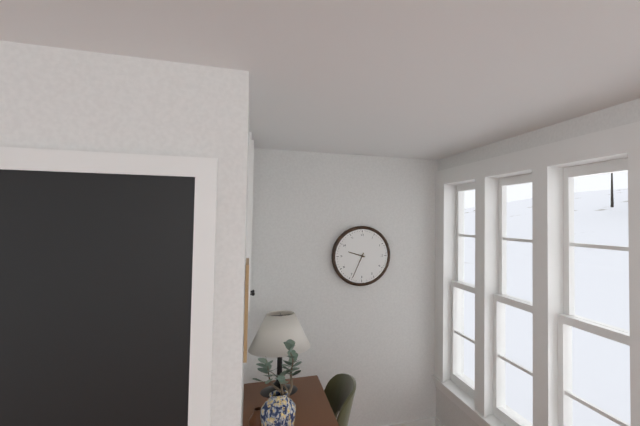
9 h 34 min
